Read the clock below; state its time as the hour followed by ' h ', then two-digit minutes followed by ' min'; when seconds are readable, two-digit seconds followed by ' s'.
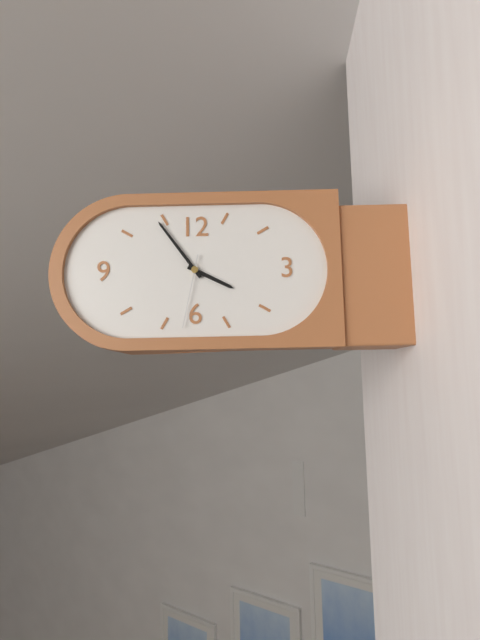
3 h 54 min 32 s
